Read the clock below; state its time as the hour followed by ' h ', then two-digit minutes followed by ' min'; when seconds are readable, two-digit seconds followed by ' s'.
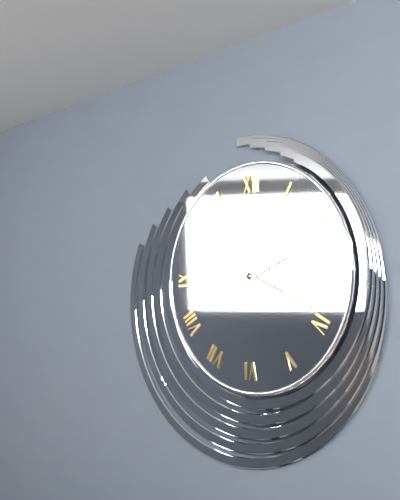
2 h 19 min
